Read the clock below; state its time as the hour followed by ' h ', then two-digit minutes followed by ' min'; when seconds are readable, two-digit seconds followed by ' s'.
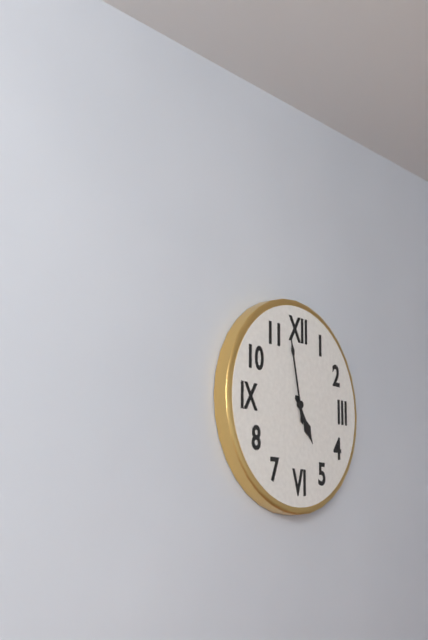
4 h 58 min
